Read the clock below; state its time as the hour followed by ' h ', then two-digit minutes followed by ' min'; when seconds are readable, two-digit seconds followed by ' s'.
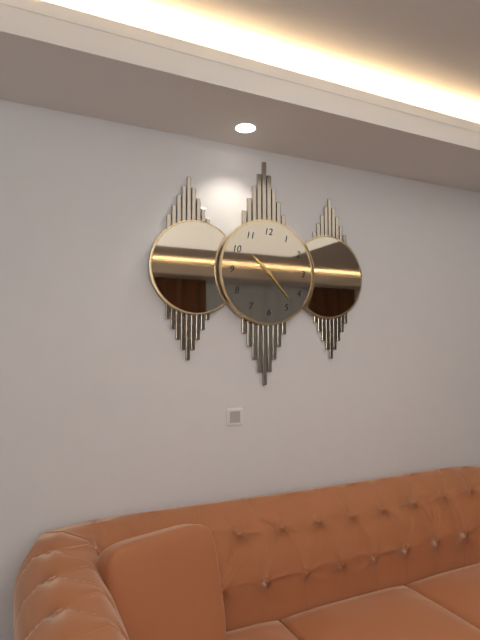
10 h 23 min
